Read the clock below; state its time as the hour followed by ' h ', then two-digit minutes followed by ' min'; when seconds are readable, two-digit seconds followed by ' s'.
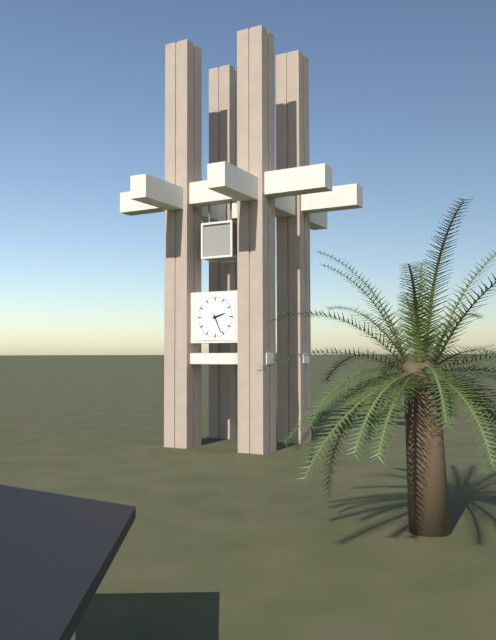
2 h 26 min
